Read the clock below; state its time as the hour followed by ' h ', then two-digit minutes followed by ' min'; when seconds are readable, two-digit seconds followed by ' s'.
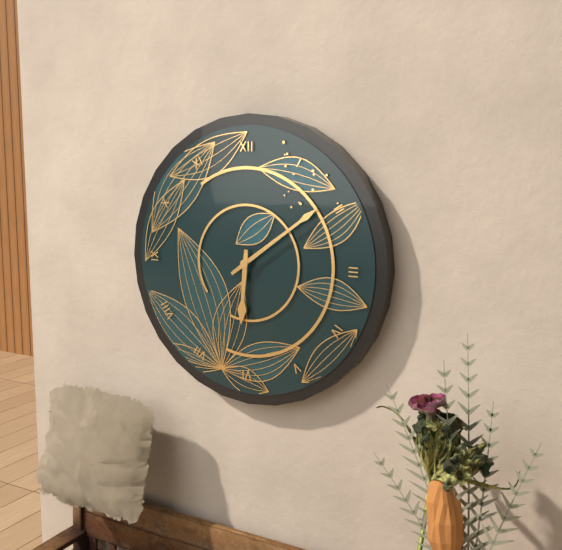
6 h 09 min
